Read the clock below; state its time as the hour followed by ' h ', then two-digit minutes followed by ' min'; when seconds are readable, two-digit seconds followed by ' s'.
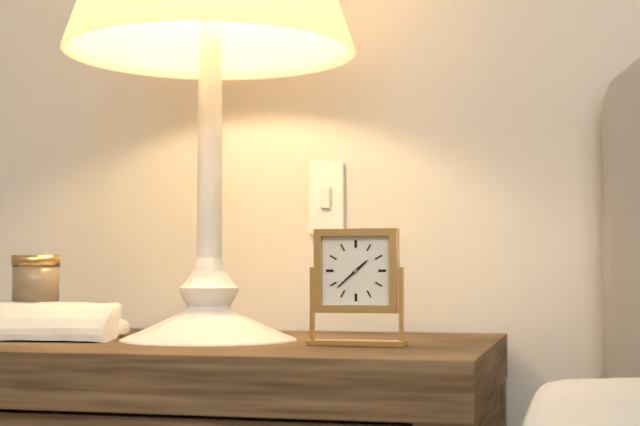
1 h 38 min
